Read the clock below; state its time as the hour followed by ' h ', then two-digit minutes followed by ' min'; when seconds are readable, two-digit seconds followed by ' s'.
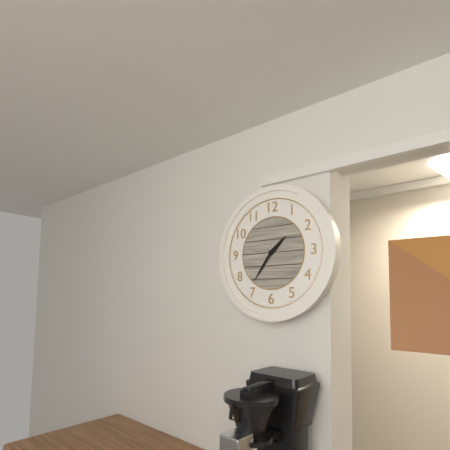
1 h 36 min
